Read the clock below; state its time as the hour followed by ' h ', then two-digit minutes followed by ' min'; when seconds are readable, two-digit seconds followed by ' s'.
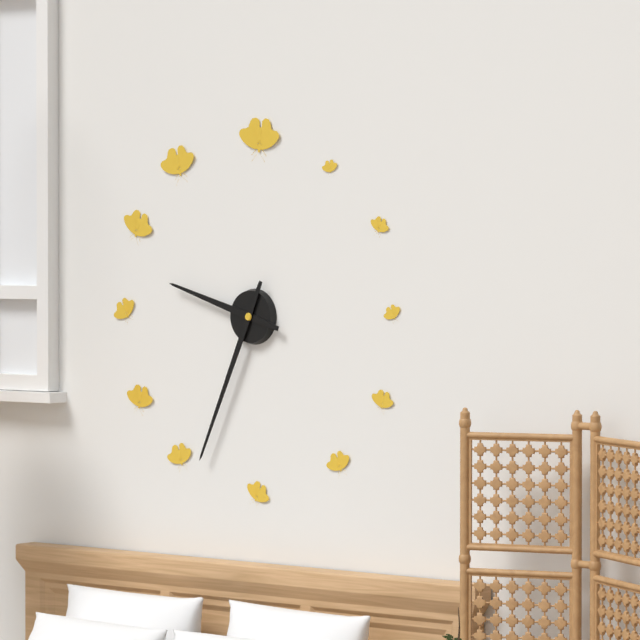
9 h 34 min
